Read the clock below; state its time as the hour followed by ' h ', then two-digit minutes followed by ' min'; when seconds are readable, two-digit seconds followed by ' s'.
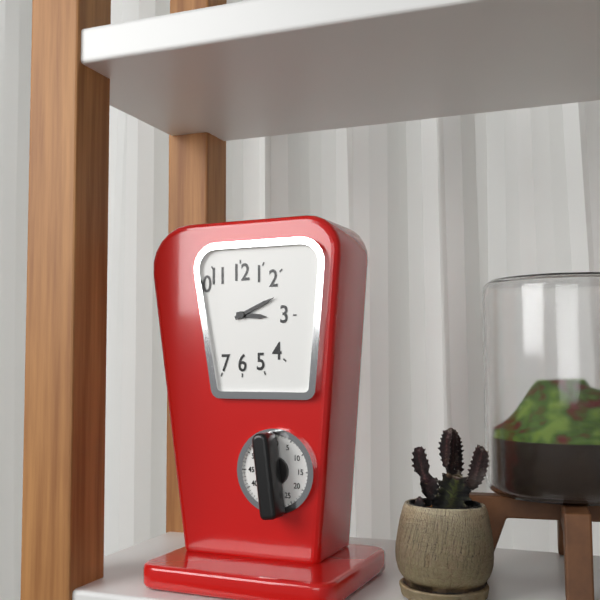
3 h 11 min
